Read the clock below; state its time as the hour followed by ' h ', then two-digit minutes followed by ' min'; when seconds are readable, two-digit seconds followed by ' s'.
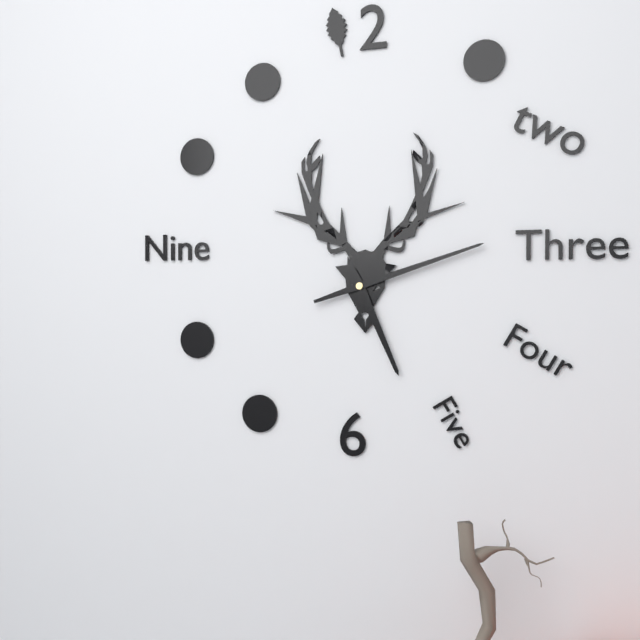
5 h 12 min
